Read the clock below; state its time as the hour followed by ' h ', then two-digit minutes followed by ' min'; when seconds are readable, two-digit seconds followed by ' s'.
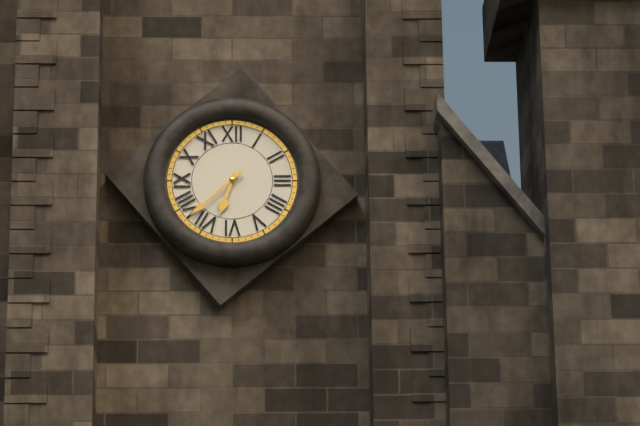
6 h 38 min
